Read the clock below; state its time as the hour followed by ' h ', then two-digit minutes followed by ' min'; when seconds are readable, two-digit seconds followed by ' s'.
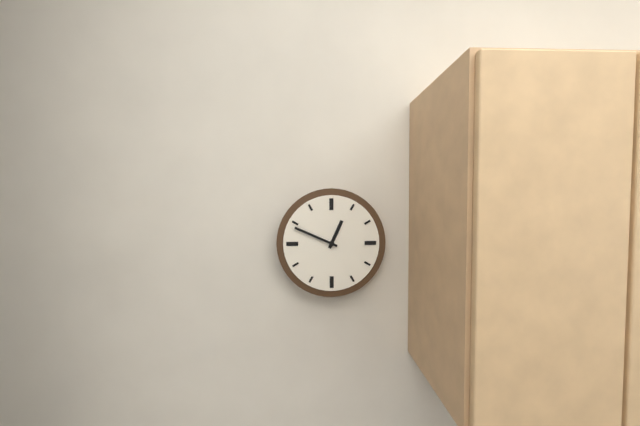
12 h 49 min
